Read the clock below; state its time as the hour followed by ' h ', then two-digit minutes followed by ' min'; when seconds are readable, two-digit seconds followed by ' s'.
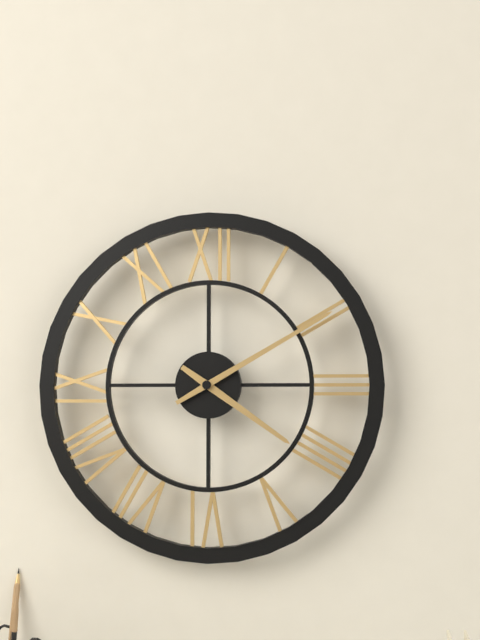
4 h 10 min
